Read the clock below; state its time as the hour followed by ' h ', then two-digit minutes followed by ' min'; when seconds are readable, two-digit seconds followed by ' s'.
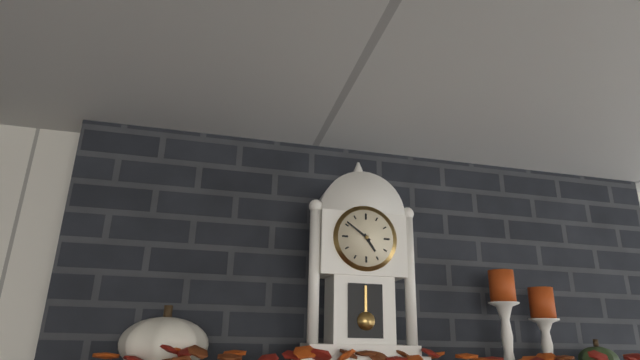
4 h 51 min
